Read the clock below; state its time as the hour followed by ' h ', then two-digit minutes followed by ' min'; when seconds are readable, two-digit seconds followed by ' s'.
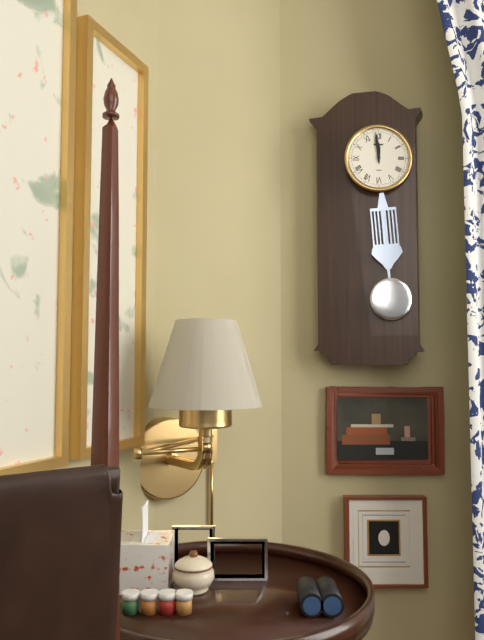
11 h 59 min
